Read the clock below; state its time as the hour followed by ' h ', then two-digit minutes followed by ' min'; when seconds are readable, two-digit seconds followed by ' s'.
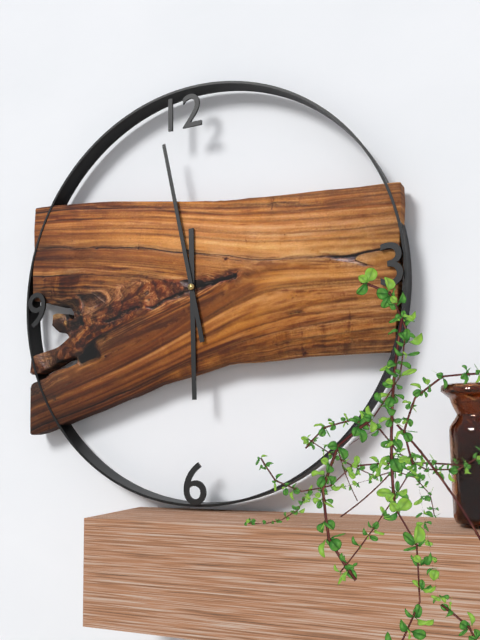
5 h 58 min
